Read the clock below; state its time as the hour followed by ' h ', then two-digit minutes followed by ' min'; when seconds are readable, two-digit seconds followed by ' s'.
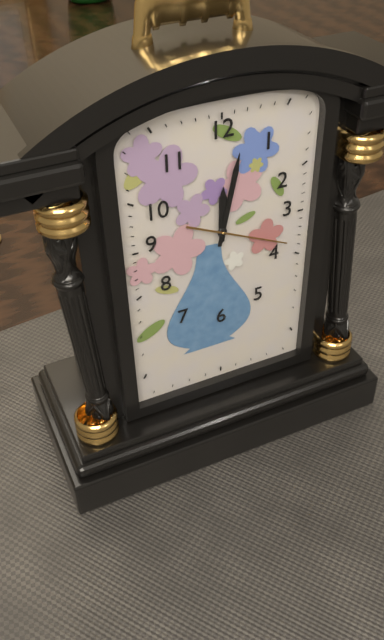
12 h 02 min 19 s
